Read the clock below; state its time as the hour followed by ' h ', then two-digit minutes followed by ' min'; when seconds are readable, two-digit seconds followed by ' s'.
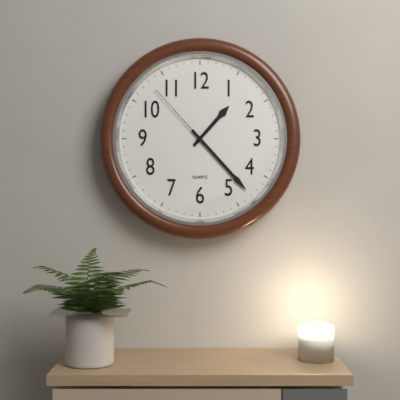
1 h 23 min 53 s
